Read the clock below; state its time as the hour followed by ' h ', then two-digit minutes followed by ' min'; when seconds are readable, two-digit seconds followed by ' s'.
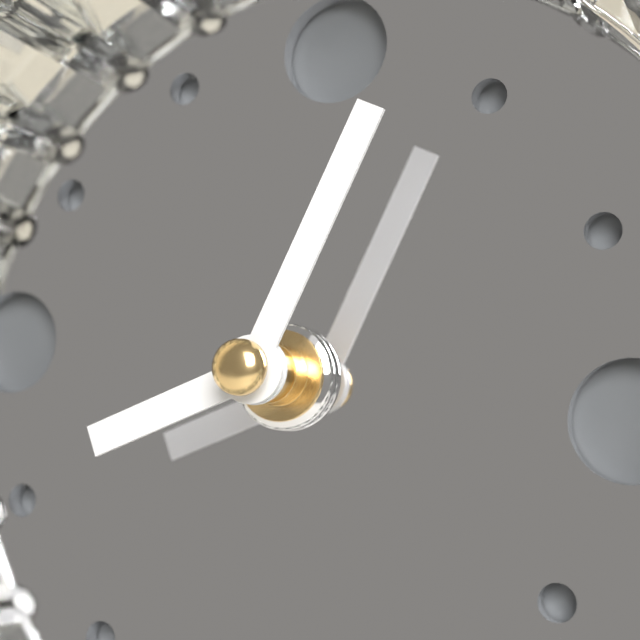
8 h 03 min
